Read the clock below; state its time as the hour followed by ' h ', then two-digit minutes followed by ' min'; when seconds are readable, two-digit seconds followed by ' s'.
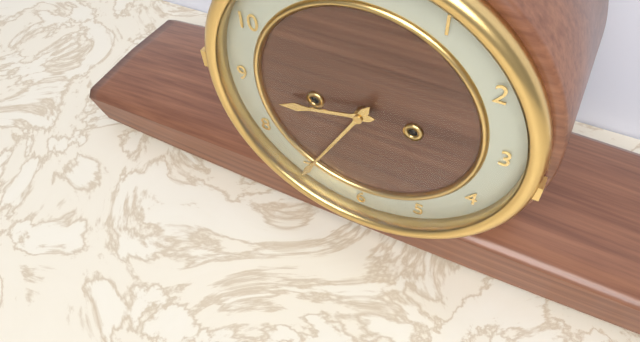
8 h 35 min
